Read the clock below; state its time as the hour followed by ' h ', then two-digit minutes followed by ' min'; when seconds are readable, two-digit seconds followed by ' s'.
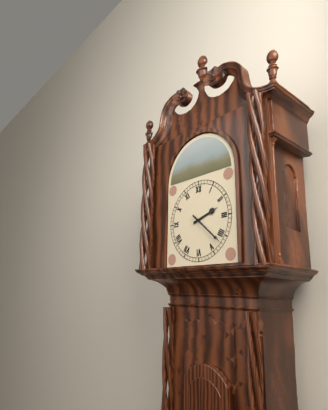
2 h 22 min
